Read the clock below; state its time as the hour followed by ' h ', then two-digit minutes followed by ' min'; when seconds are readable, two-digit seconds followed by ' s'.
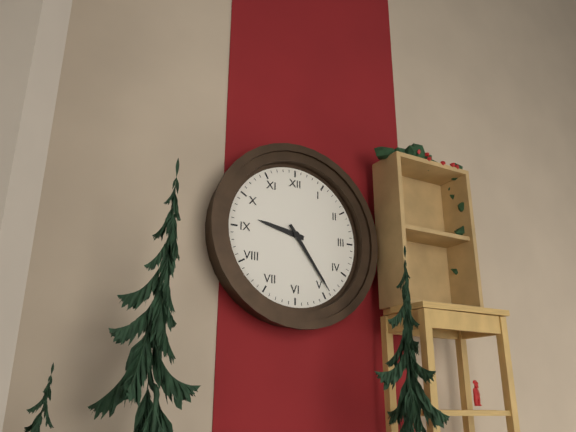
9 h 24 min
